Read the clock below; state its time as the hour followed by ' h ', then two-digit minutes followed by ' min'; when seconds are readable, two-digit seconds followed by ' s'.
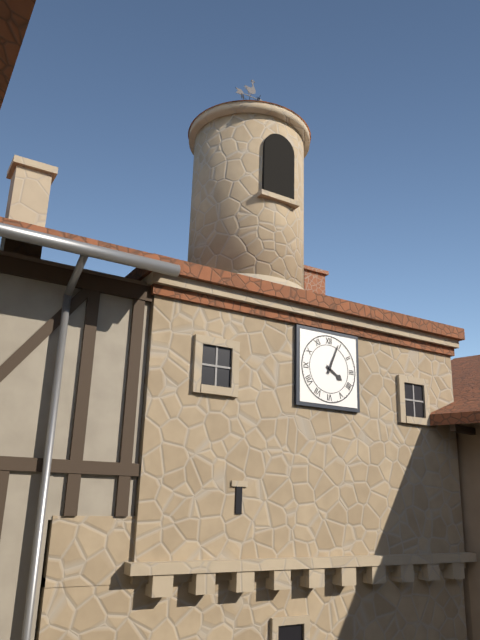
4 h 04 min
